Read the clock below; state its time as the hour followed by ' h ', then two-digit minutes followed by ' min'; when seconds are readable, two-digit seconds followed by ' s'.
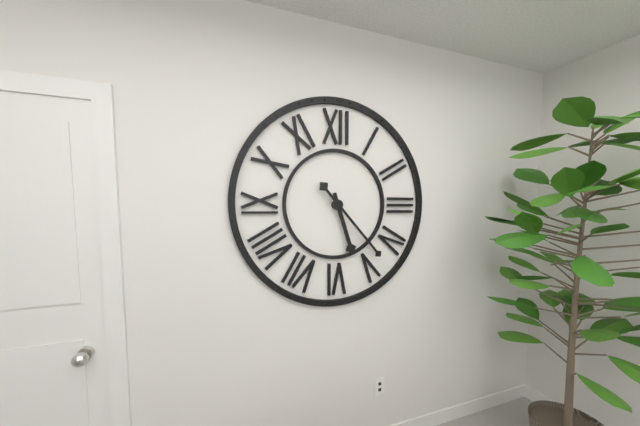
5 h 23 min
